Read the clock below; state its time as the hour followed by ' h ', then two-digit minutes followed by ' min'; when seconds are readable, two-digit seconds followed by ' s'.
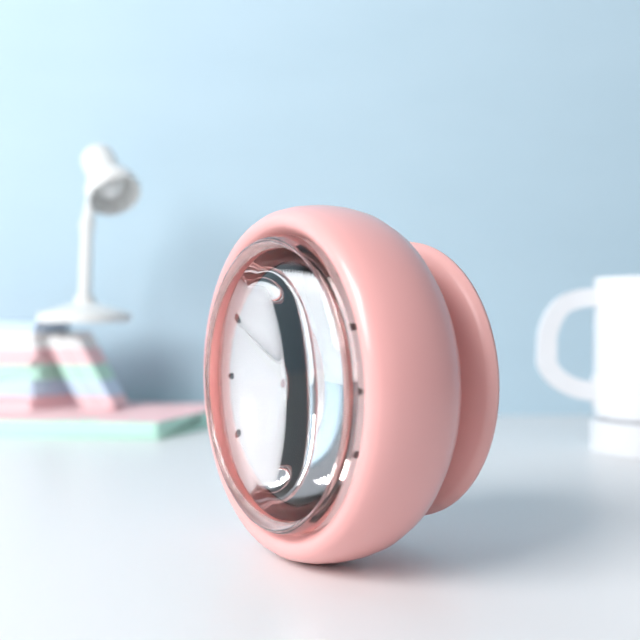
2 h 50 min
